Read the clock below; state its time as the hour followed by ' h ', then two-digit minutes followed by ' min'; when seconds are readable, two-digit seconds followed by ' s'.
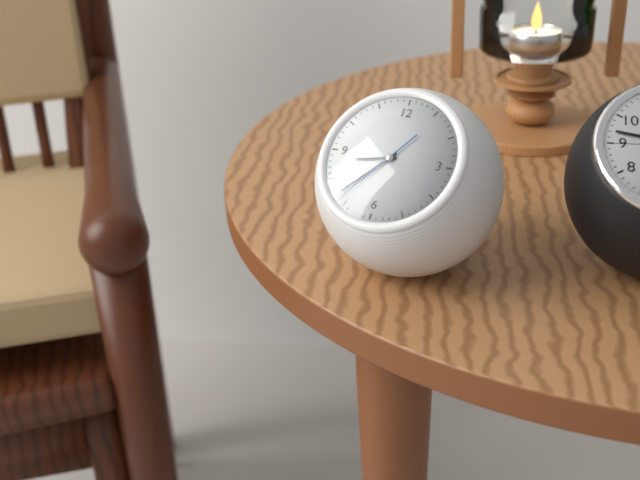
8 h 37 min 36 s
